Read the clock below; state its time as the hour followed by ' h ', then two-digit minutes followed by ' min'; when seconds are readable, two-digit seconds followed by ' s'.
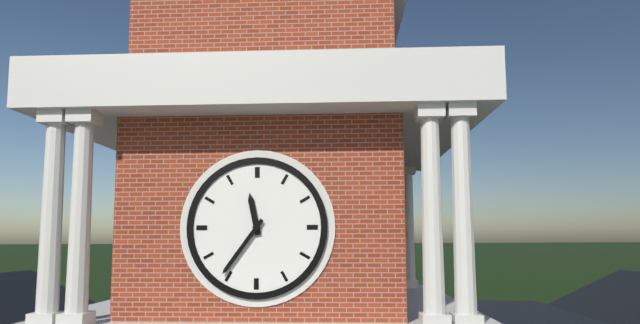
11 h 36 min
